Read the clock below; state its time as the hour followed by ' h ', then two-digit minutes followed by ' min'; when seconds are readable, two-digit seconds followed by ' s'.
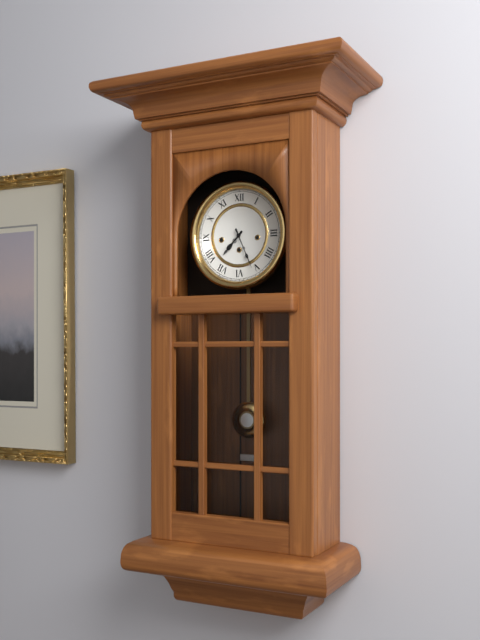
7 h 26 min
